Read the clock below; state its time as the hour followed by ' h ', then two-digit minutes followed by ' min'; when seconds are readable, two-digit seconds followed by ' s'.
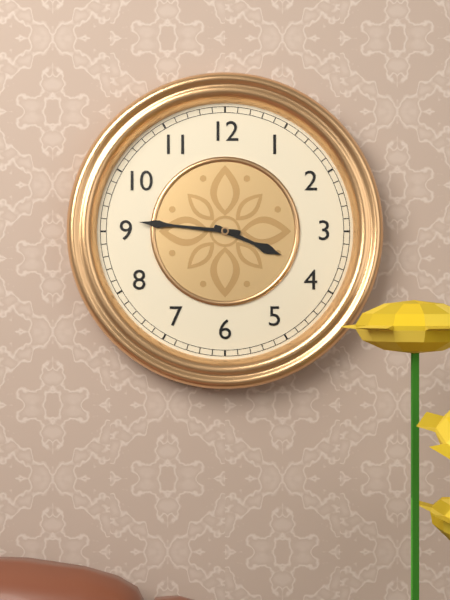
3 h 46 min
